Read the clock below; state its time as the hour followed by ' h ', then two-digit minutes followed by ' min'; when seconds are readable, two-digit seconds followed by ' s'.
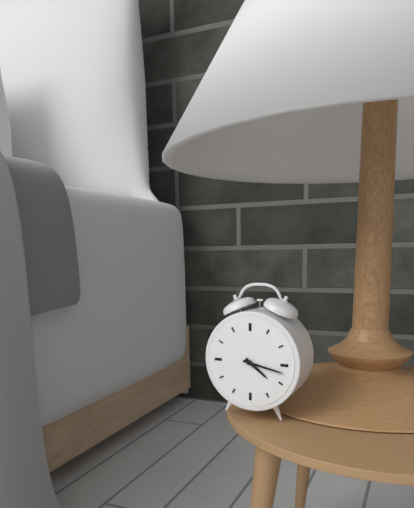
4 h 17 min
